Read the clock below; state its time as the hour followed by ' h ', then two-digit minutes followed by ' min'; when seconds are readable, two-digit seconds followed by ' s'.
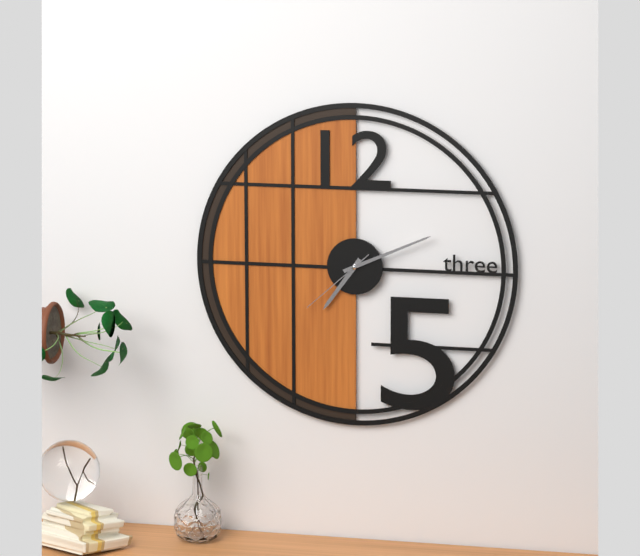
7 h 11 min 38 s
